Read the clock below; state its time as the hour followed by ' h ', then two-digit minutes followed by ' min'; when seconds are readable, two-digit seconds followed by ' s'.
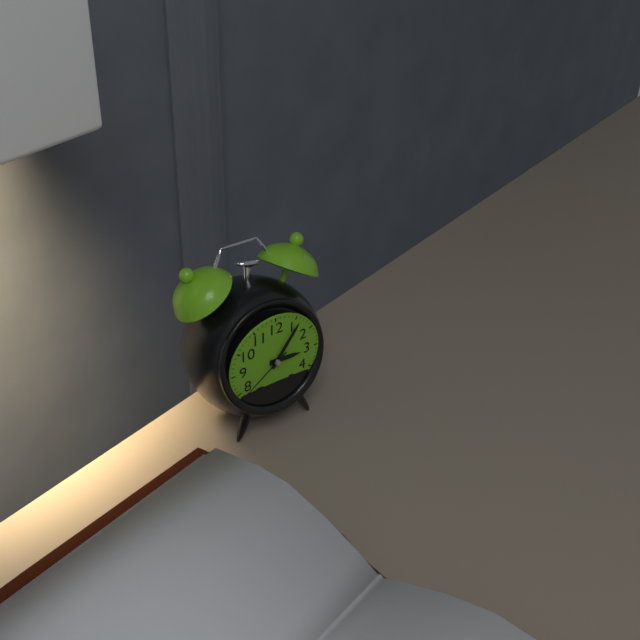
3 h 06 min 39 s
